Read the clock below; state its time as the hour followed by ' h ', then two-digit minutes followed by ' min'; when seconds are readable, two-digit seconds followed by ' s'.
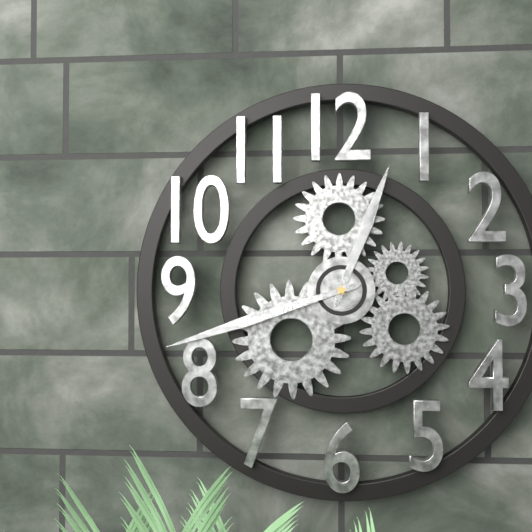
12 h 42 min
